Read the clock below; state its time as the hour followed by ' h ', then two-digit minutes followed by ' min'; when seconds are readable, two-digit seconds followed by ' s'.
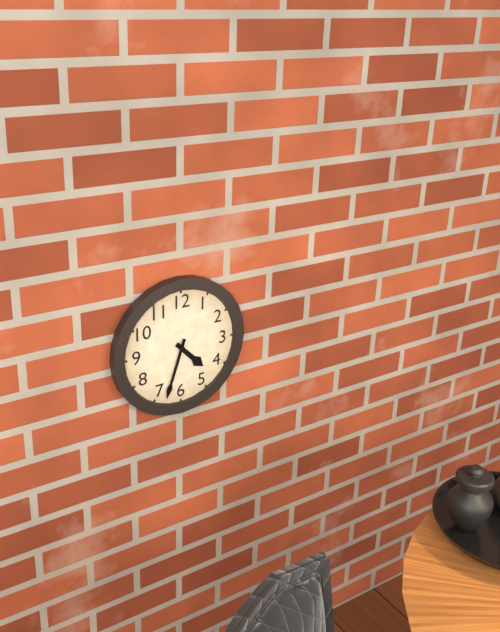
4 h 33 min
